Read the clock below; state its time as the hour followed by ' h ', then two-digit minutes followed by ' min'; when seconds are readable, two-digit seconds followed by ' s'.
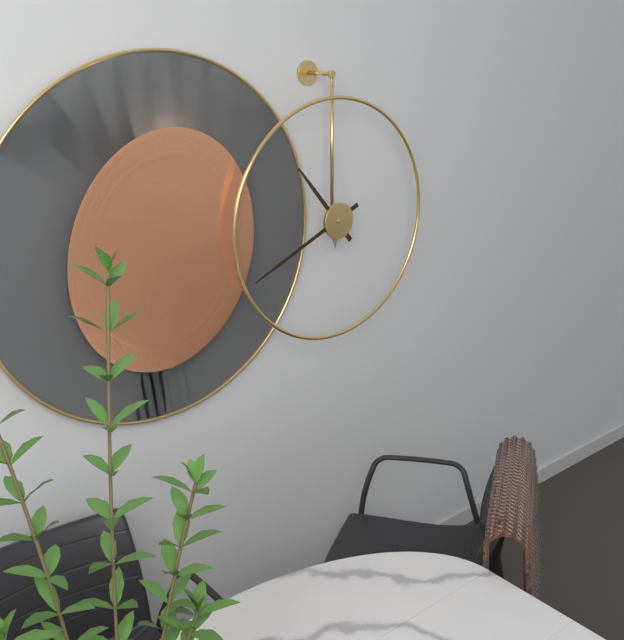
10 h 41 min
